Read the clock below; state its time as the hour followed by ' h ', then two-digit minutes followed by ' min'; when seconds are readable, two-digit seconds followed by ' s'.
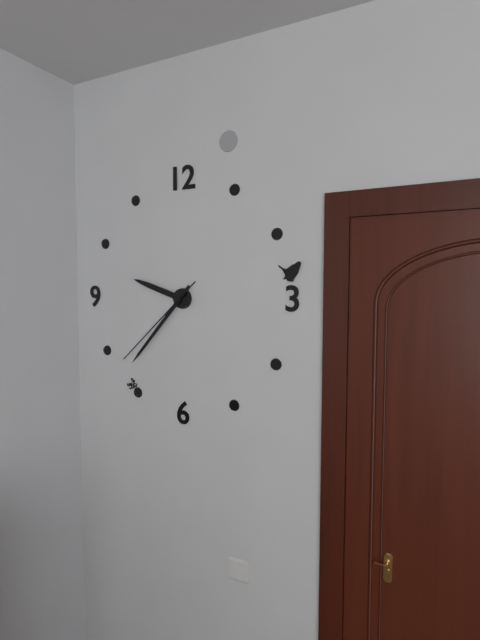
9 h 37 min 38 s
